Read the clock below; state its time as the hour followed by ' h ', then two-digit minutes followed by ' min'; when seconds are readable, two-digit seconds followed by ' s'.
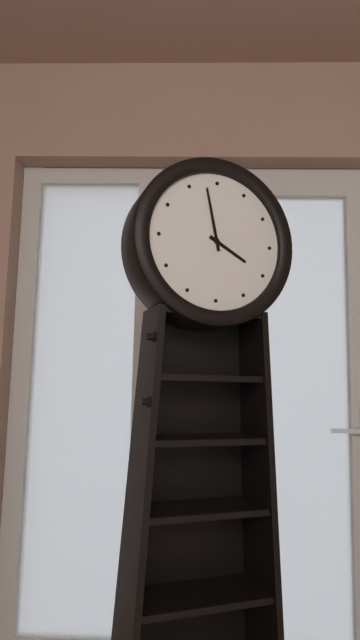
3 h 58 min
